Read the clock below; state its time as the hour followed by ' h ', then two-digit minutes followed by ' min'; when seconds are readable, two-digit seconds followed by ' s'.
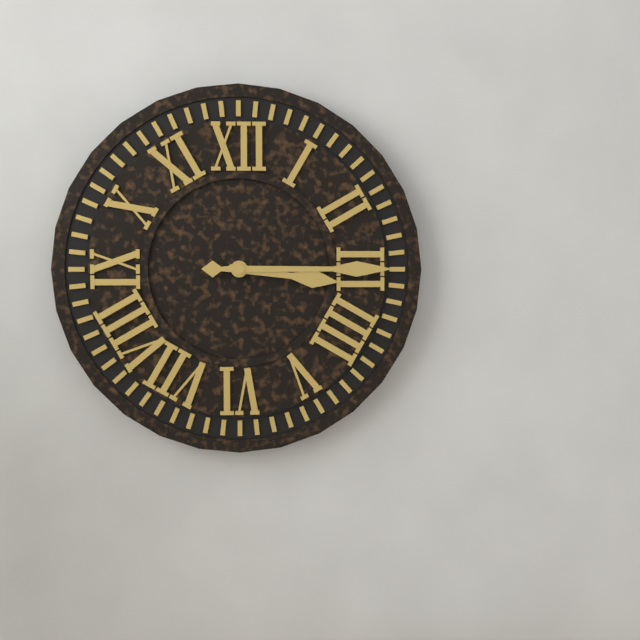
3 h 15 min
